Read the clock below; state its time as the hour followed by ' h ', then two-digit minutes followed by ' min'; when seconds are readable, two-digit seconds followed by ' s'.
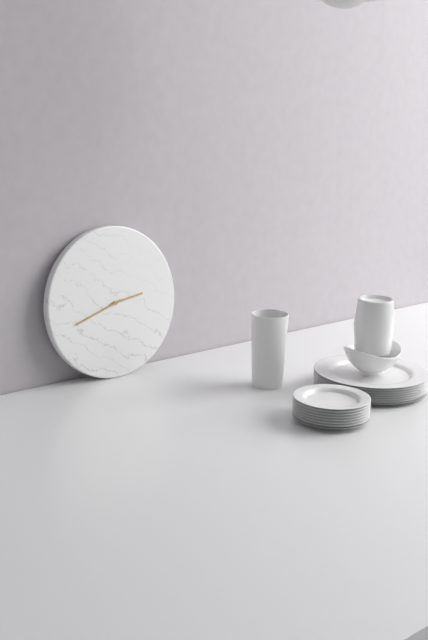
2 h 42 min
